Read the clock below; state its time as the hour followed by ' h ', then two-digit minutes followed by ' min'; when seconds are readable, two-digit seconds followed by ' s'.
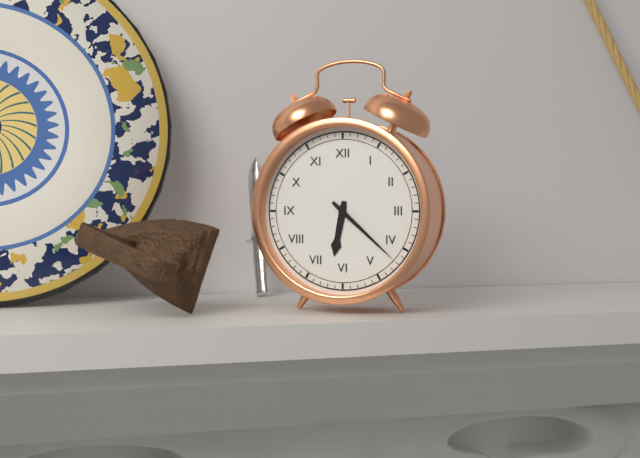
6 h 22 min
